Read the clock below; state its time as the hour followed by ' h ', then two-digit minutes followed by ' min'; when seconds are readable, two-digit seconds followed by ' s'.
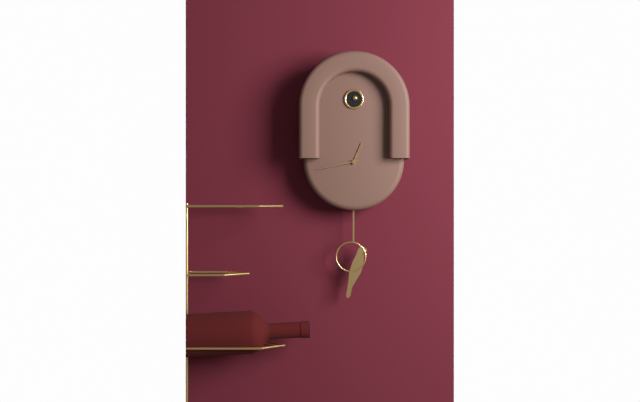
12 h 43 min
